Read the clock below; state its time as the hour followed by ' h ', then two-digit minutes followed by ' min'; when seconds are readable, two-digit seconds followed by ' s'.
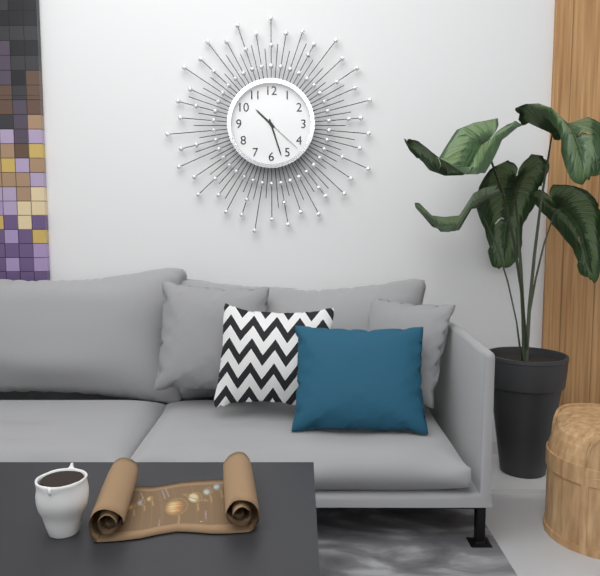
10 h 27 min
